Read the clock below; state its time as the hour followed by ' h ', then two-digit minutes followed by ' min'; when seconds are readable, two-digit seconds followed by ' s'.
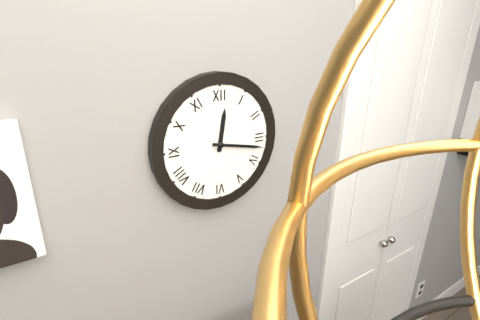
12 h 17 min
